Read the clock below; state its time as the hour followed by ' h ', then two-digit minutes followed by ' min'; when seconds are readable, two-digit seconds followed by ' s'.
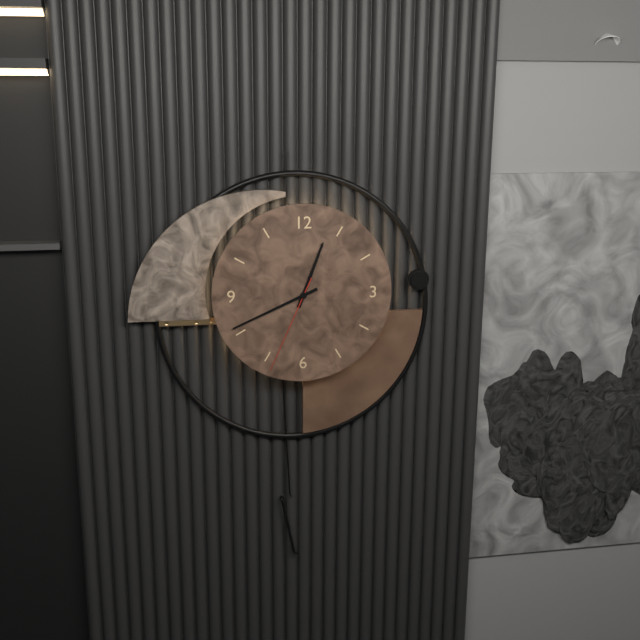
12 h 41 min 34 s
